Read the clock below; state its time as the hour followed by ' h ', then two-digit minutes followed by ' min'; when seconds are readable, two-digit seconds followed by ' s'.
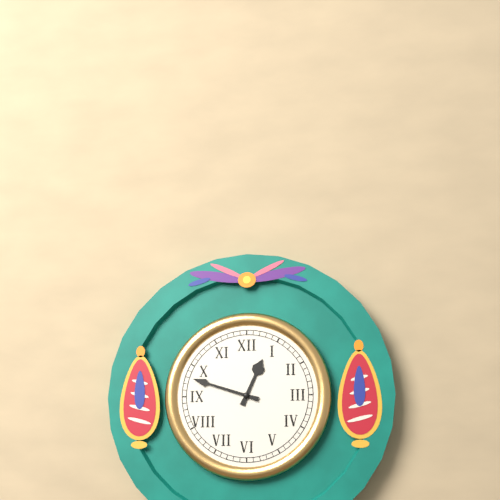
12 h 48 min
